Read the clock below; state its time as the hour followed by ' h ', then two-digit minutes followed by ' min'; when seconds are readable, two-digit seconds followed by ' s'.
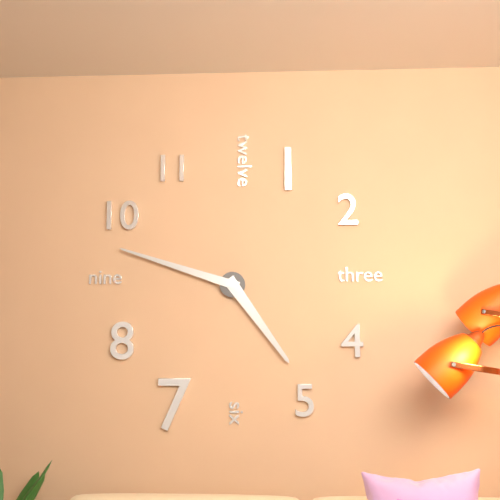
4 h 48 min
